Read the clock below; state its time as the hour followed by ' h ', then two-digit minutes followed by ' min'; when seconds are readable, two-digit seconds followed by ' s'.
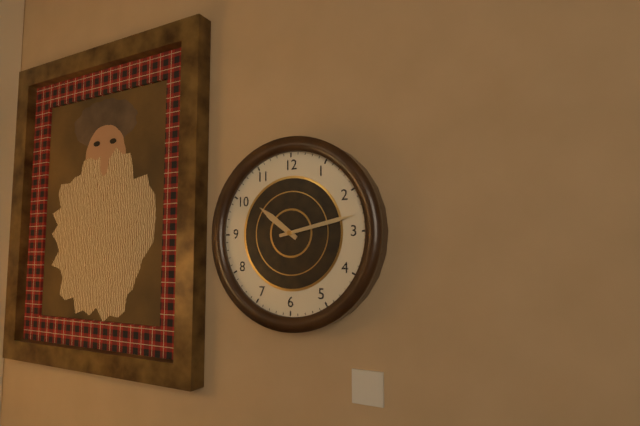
10 h 13 min
